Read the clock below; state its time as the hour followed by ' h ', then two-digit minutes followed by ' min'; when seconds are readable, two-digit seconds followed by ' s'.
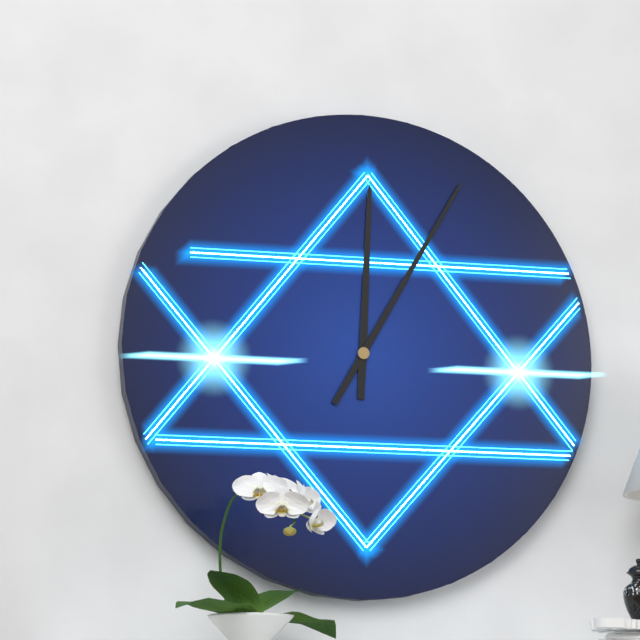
12 h 05 min
